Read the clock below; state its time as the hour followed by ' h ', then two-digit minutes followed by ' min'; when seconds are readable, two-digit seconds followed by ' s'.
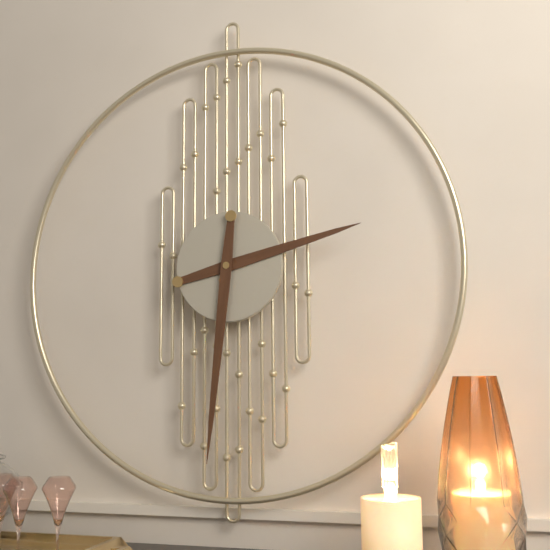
2 h 31 min
